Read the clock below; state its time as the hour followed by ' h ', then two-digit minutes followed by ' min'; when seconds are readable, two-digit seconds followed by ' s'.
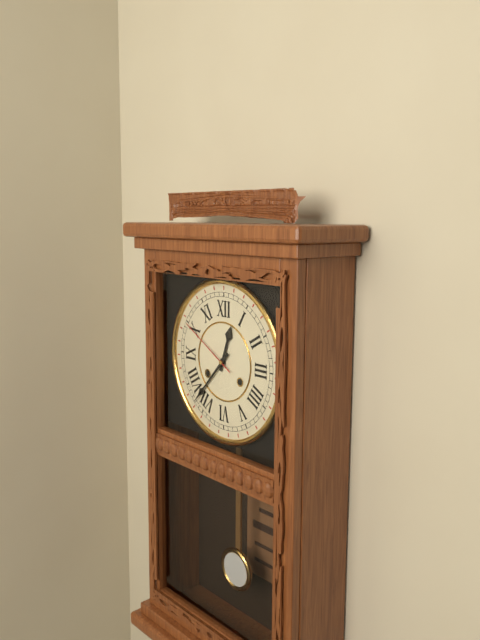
12 h 37 min 50 s
